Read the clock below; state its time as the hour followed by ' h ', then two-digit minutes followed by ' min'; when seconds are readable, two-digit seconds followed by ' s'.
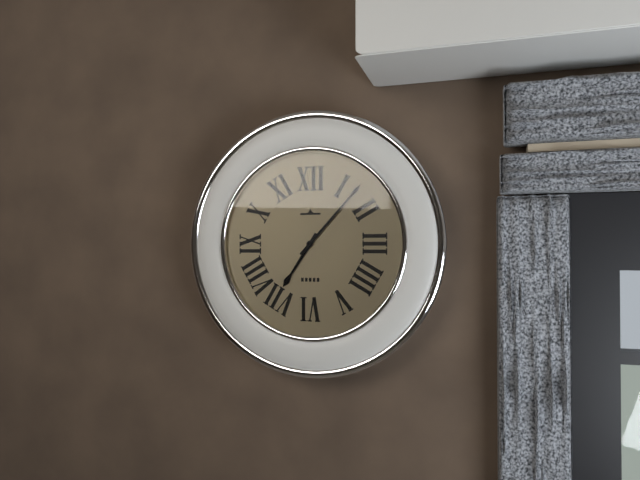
7 h 07 min
